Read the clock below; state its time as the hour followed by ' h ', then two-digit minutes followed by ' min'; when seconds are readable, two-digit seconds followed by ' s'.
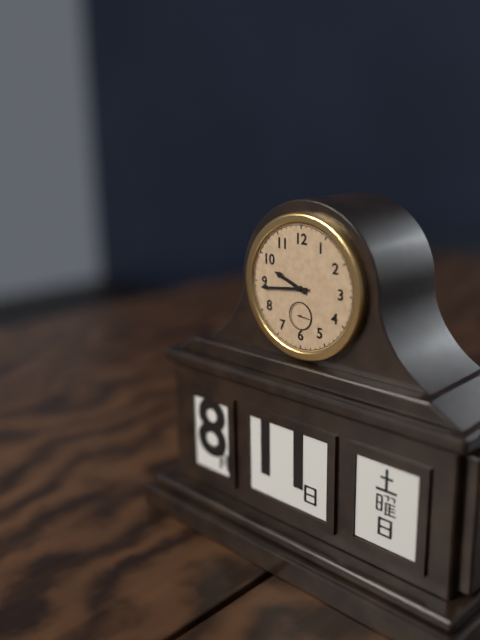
9 h 44 min
